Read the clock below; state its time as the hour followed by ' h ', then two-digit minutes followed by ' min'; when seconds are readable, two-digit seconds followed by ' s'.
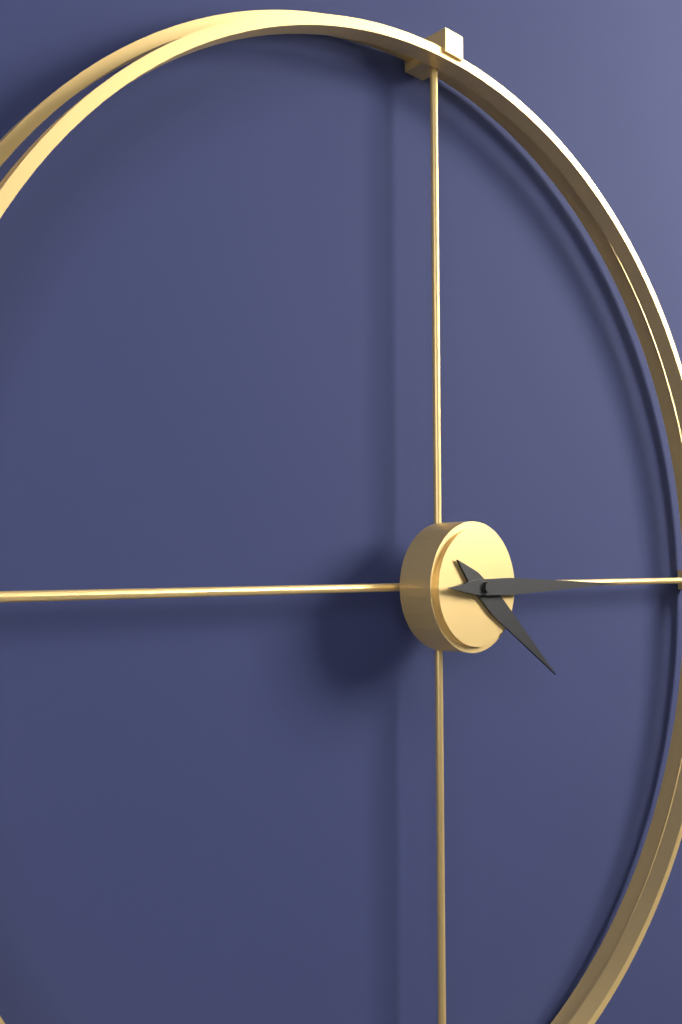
4 h 15 min
